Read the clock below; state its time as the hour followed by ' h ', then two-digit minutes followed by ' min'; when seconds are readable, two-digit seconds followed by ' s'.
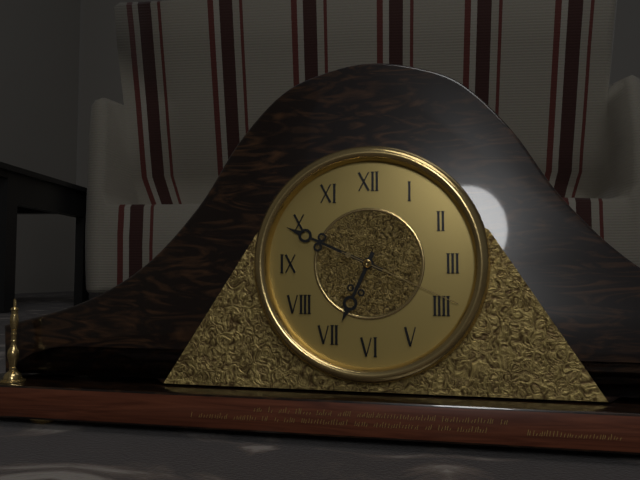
6 h 49 min 19 s
